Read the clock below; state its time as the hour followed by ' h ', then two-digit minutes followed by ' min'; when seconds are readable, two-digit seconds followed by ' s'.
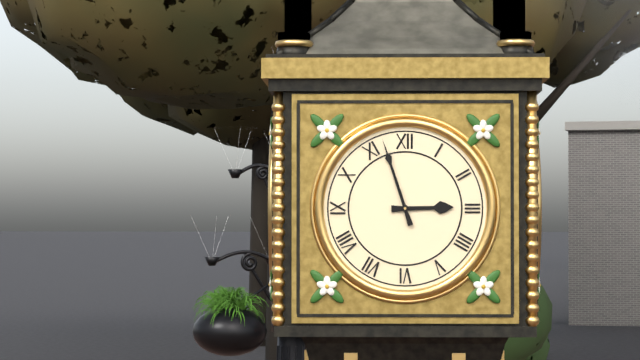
2 h 57 min
